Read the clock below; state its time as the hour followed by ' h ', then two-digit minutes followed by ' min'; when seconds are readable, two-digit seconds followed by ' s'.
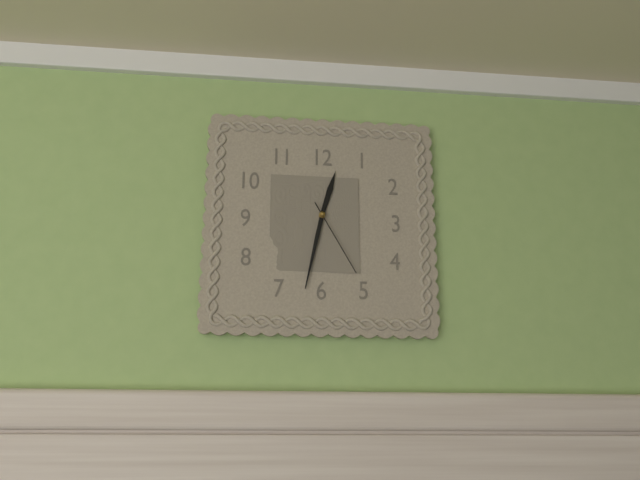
12 h 32 min 25 s
